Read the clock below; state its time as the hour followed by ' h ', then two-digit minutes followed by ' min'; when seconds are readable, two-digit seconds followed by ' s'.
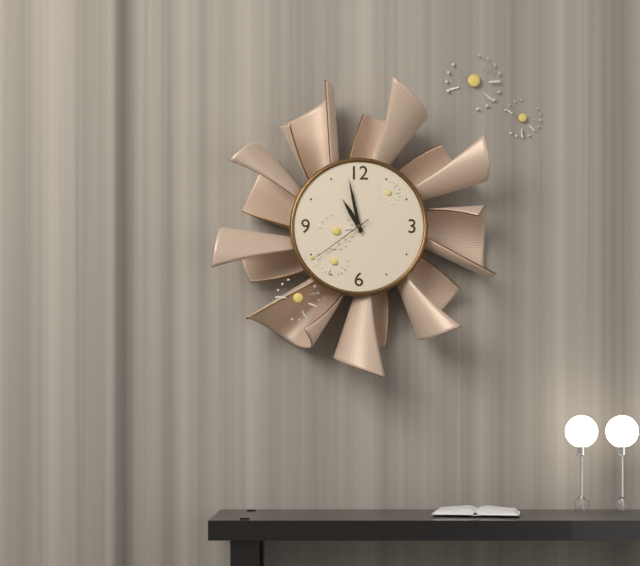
10 h 58 min 39 s
